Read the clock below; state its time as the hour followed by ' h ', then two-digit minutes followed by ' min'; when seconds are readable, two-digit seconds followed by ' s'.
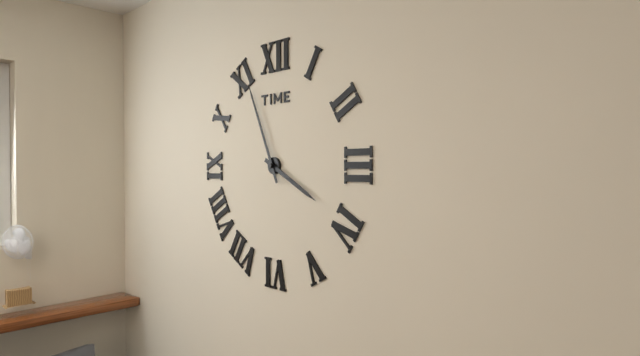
3 h 56 min
